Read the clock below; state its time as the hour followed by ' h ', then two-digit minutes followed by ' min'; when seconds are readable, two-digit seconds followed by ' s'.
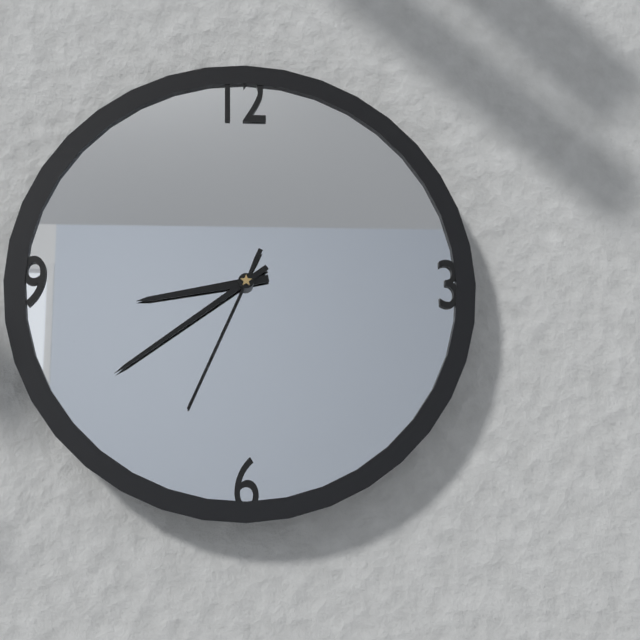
8 h 39 min 34 s
